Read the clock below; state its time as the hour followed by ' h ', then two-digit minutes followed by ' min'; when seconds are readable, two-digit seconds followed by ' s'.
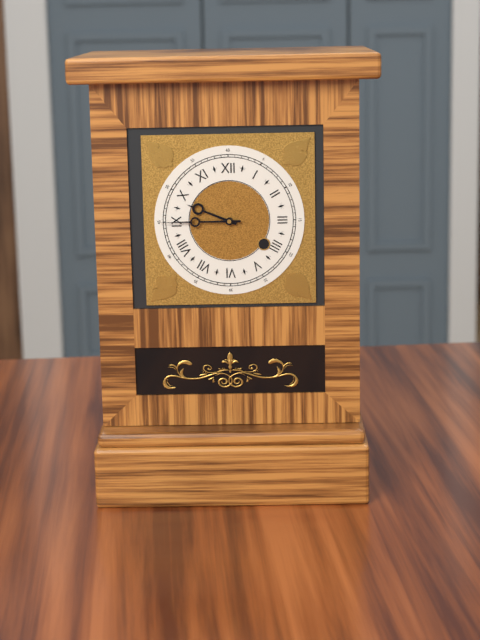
9 h 45 min
